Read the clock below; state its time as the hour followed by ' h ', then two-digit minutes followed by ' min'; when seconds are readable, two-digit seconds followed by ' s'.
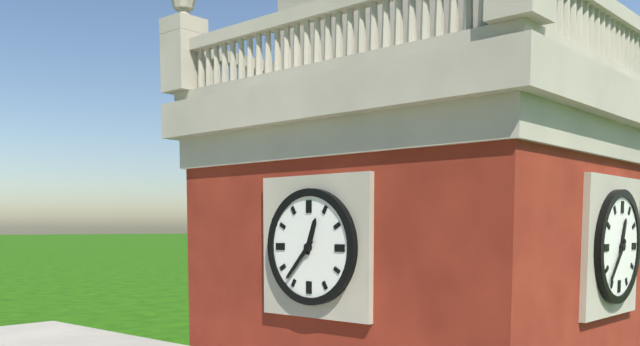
12 h 37 min
